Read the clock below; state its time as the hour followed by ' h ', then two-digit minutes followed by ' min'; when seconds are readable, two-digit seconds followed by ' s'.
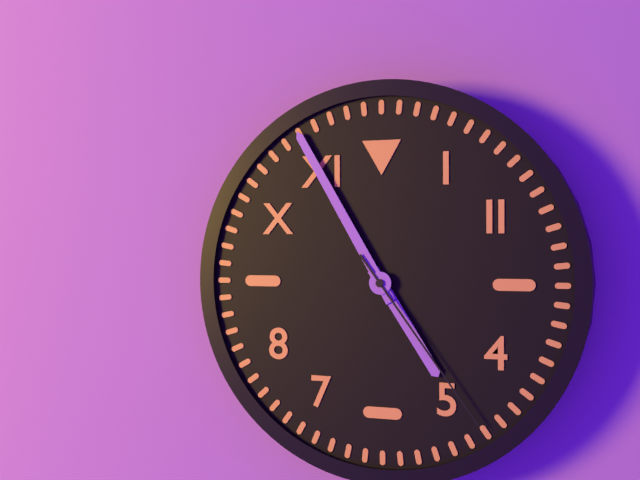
4 h 55 min 24 s
